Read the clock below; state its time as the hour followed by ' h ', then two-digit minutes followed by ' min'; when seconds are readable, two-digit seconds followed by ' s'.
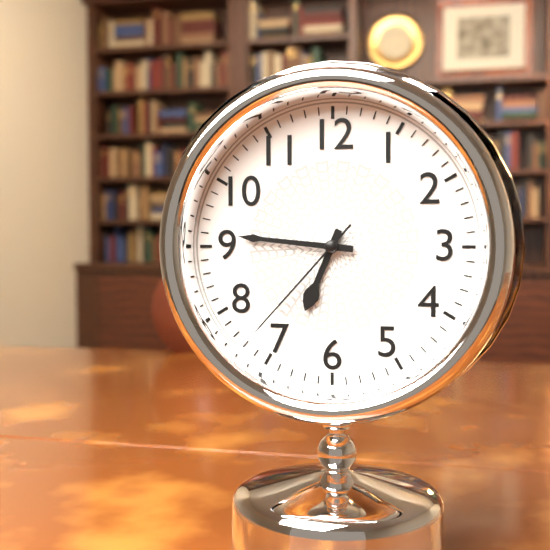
6 h 46 min 37 s
